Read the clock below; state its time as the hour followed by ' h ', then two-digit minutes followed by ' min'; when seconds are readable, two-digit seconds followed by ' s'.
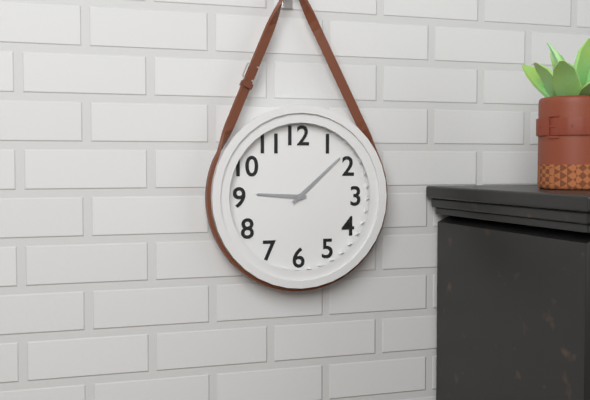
9 h 08 min
